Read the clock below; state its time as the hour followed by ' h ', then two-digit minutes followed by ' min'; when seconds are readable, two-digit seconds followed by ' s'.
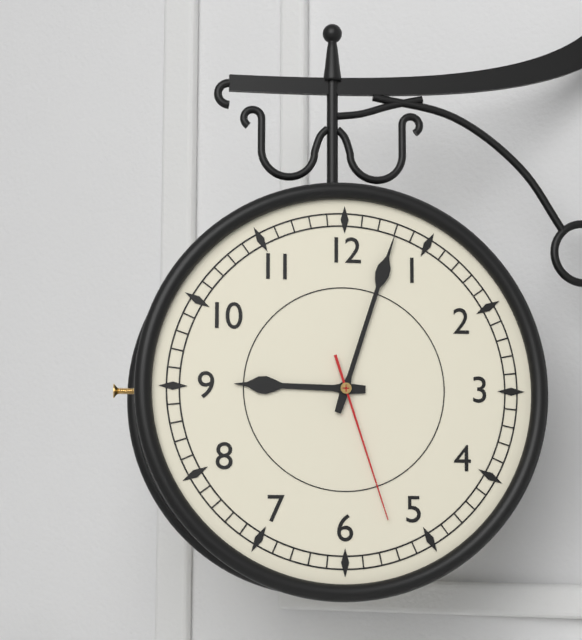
9 h 03 min 27 s
